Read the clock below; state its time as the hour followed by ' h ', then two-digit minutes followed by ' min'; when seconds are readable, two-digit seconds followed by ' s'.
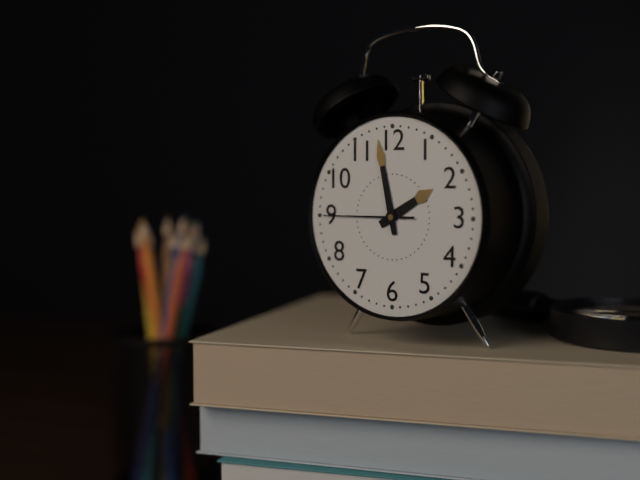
1 h 58 min 45 s
